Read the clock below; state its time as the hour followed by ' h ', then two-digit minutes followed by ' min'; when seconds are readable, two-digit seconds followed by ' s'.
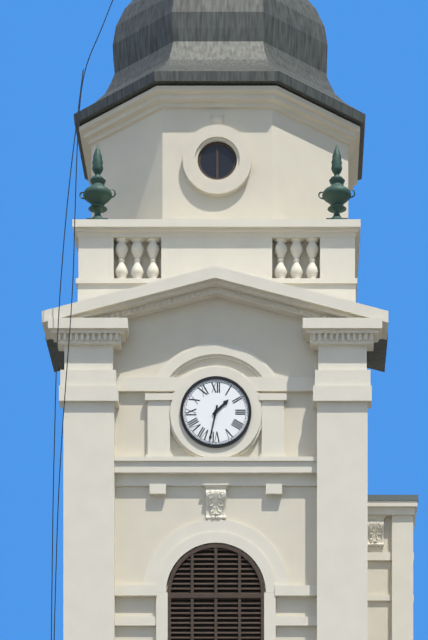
1 h 32 min
